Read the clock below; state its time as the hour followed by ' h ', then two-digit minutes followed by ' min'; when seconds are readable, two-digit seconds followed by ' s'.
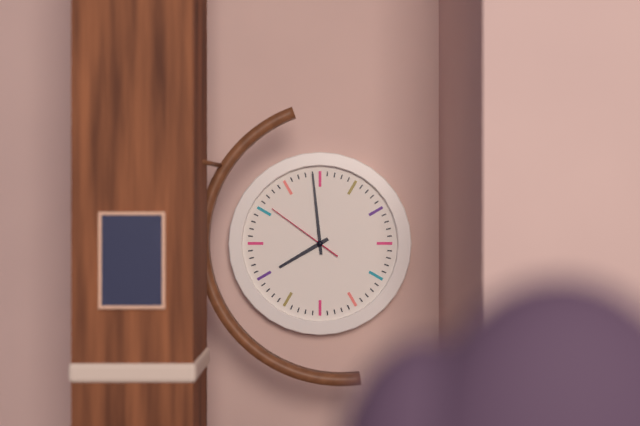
7 h 59 min 51 s
